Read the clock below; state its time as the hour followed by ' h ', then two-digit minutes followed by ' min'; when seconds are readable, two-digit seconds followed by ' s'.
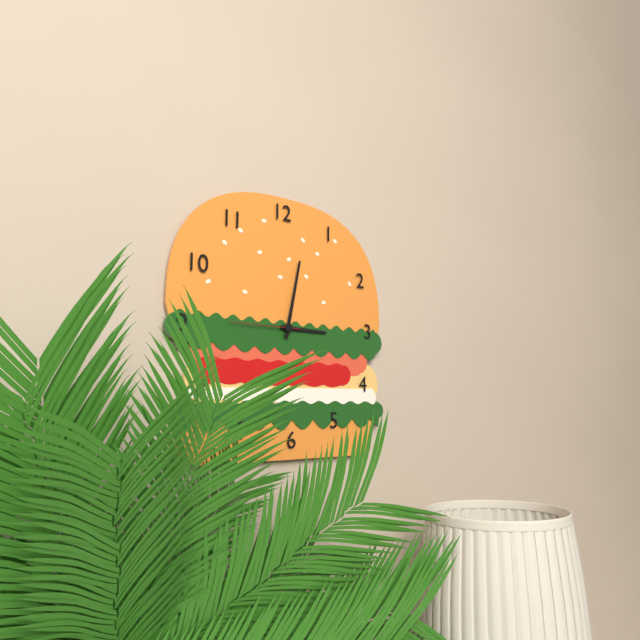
3 h 02 min 45 s
